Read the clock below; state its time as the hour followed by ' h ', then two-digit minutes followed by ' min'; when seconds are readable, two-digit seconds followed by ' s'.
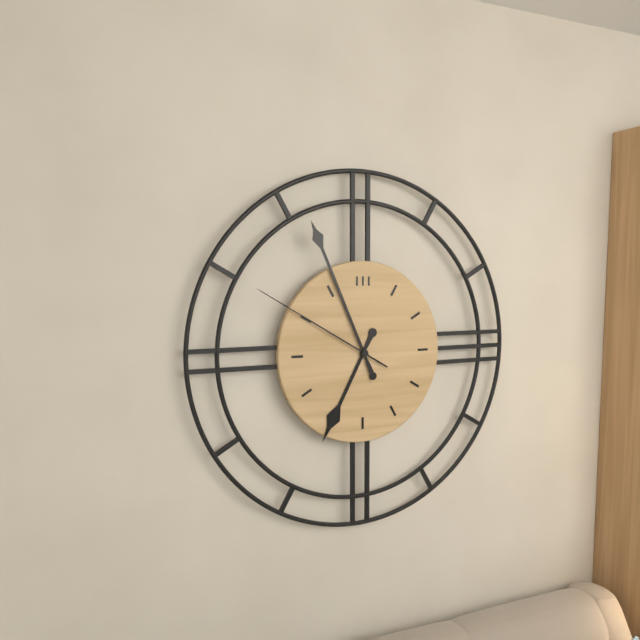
6 h 56 min 50 s
